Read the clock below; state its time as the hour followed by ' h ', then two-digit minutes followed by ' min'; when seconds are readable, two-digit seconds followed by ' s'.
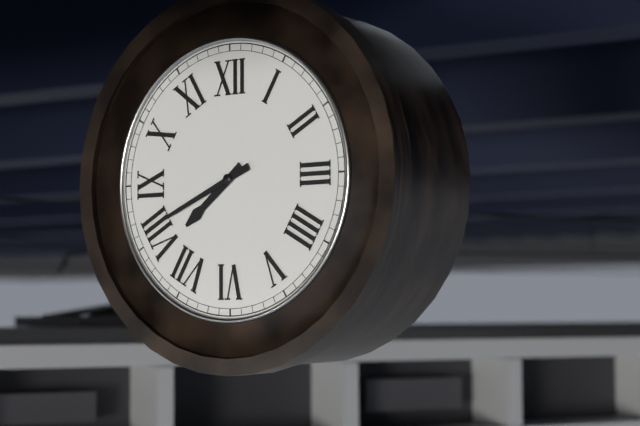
7 h 41 min
